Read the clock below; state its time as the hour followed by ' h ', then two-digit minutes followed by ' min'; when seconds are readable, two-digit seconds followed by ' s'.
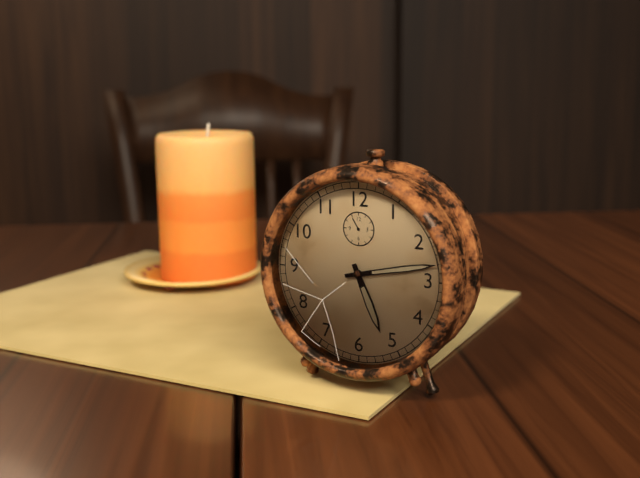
5 h 13 min
